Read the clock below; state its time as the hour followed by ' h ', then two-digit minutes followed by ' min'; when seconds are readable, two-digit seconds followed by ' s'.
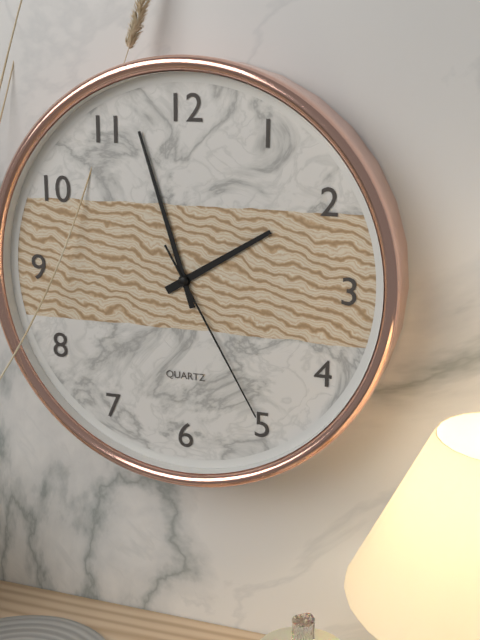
1 h 57 min 25 s
